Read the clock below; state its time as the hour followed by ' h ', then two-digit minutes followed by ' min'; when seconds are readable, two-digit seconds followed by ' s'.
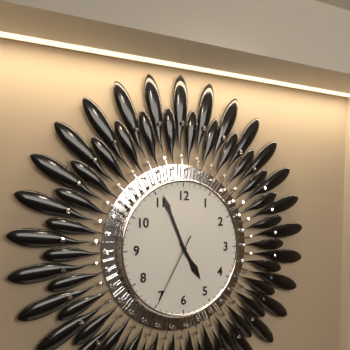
4 h 56 min 35 s
